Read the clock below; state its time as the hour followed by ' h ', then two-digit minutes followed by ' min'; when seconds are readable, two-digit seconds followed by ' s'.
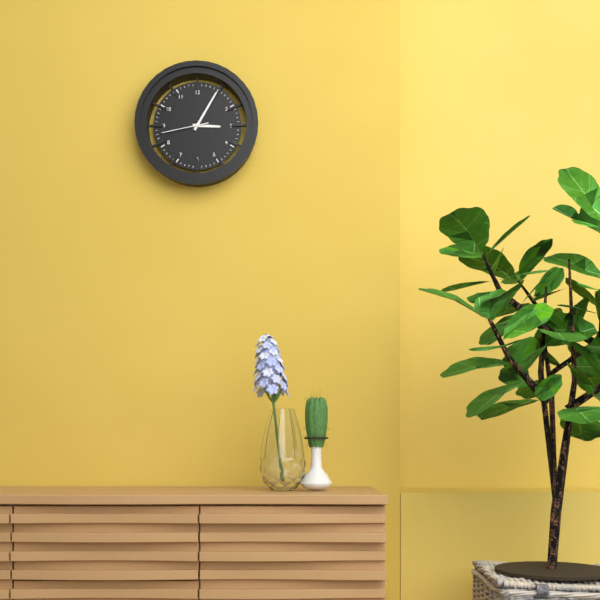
3 h 05 min
